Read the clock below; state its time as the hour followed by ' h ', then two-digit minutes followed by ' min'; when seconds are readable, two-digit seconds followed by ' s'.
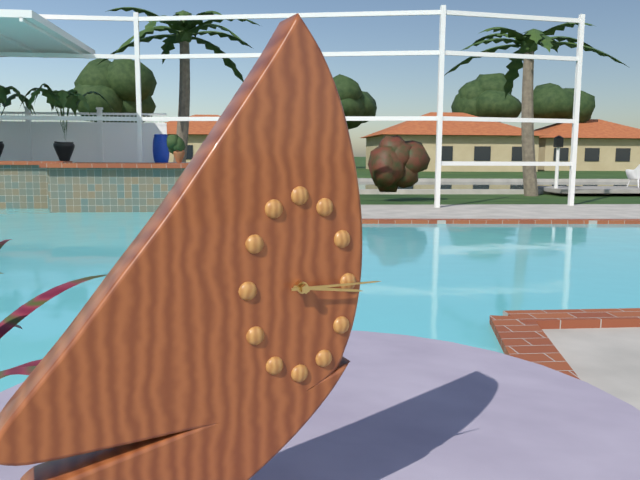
3 h 15 min
